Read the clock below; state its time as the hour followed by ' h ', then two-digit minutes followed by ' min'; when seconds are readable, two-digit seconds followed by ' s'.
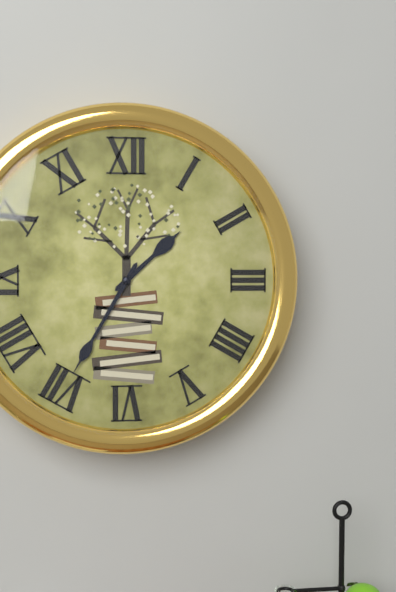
1 h 35 min
